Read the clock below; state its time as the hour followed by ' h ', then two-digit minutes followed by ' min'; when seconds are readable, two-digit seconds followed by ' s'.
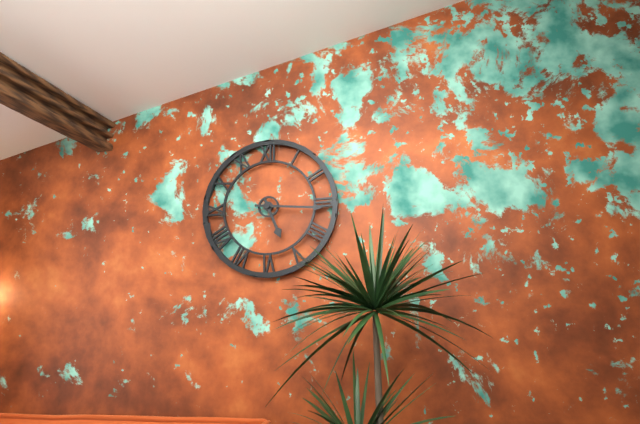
5 h 16 min
